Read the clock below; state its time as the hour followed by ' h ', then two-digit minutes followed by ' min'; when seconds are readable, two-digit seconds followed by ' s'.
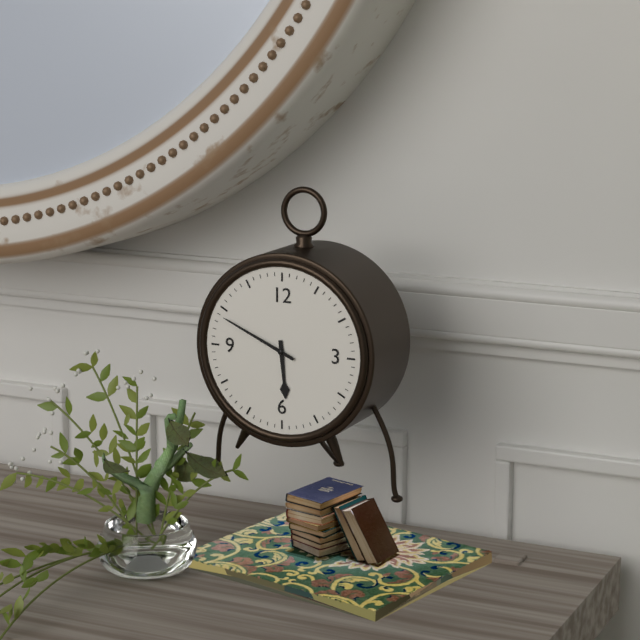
5 h 49 min
